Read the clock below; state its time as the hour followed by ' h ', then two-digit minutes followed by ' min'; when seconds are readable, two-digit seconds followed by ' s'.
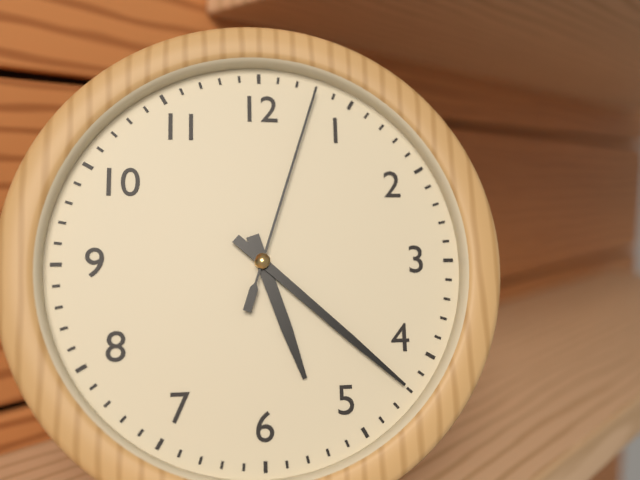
5 h 22 min 03 s
